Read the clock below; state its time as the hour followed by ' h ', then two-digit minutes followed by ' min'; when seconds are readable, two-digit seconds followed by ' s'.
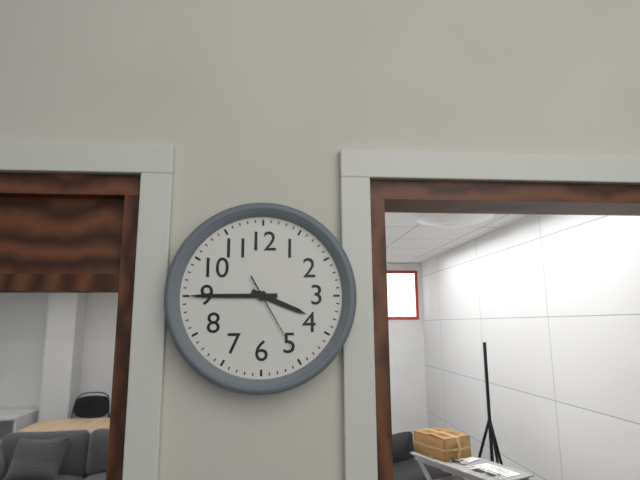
3 h 45 min 25 s
